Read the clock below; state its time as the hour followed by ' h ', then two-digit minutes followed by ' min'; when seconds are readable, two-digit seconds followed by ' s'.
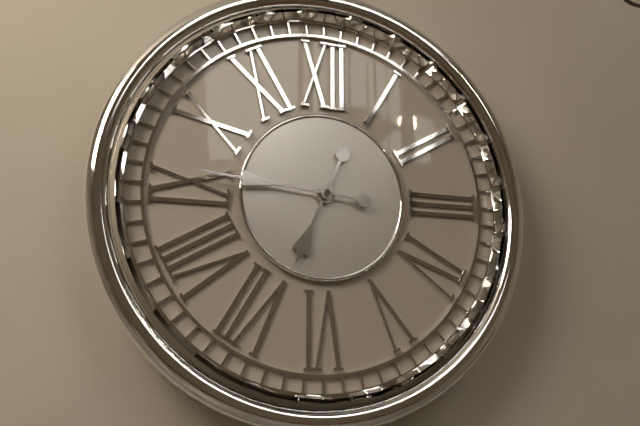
6 h 46 min
